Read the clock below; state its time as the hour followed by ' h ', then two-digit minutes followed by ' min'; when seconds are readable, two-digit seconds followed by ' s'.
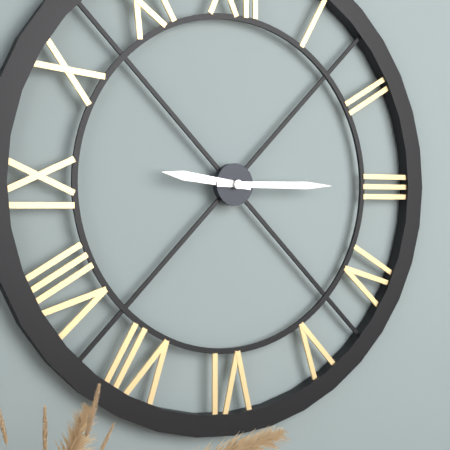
9 h 15 min
